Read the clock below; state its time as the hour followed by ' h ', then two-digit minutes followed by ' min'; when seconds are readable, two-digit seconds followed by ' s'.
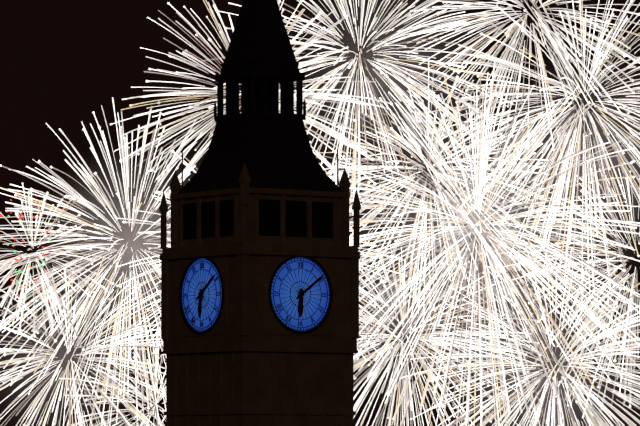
6 h 09 min
